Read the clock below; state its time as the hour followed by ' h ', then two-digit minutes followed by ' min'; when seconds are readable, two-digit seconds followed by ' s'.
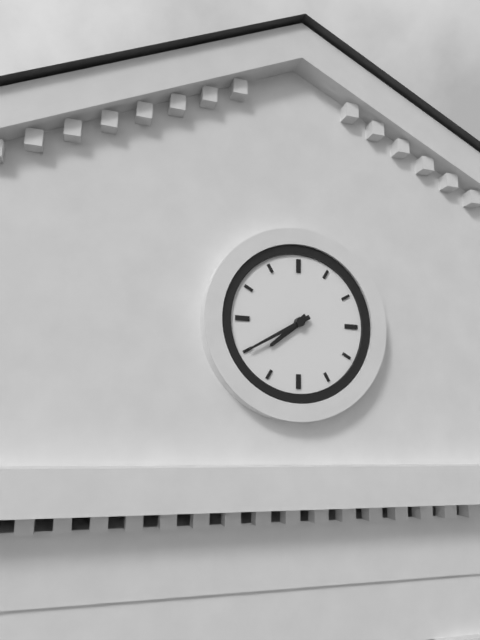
7 h 40 min
